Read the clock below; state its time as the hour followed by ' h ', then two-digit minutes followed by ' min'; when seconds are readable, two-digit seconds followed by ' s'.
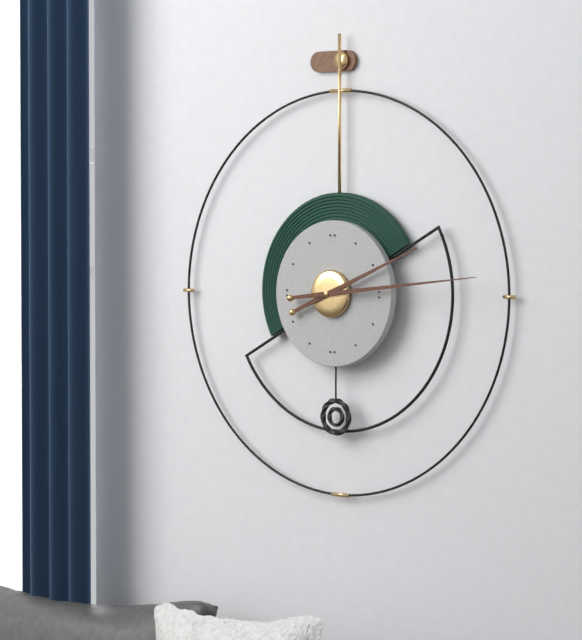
2 h 14 min
